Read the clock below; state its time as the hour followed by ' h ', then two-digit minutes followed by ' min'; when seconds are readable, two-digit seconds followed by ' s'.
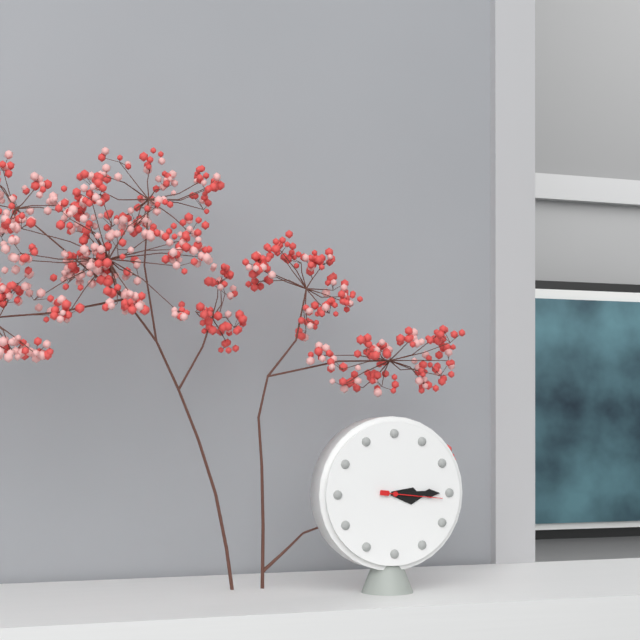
3 h 15 min 16 s
